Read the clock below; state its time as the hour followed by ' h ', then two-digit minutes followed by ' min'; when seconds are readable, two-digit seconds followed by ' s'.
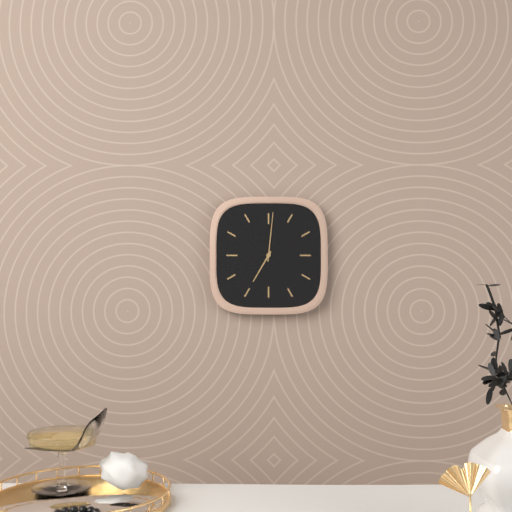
7 h 01 min
